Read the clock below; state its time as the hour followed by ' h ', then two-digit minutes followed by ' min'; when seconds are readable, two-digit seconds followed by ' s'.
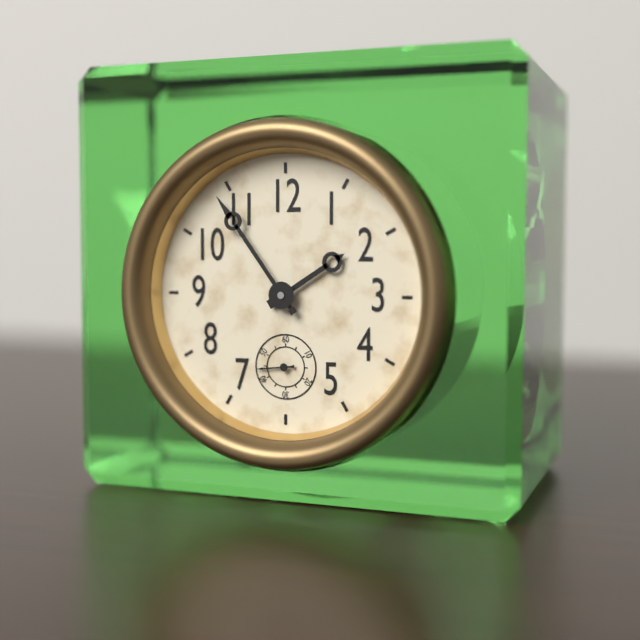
1 h 54 min
